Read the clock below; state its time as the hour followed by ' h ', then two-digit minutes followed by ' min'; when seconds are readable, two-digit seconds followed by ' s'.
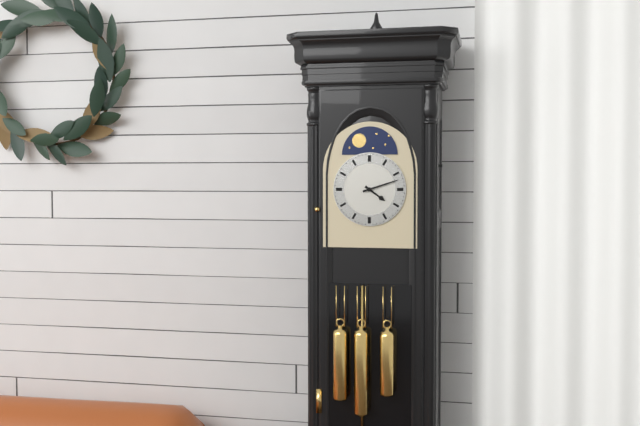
4 h 12 min
